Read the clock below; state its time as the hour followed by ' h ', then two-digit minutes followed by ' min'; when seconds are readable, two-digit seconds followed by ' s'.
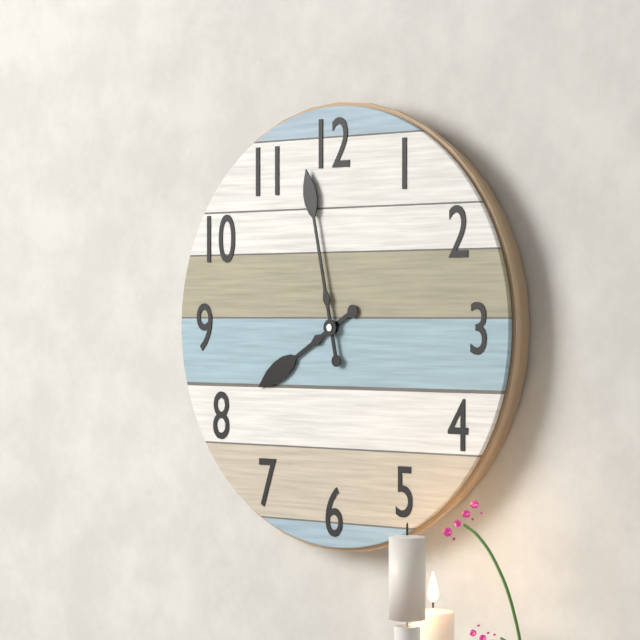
7 h 58 min
